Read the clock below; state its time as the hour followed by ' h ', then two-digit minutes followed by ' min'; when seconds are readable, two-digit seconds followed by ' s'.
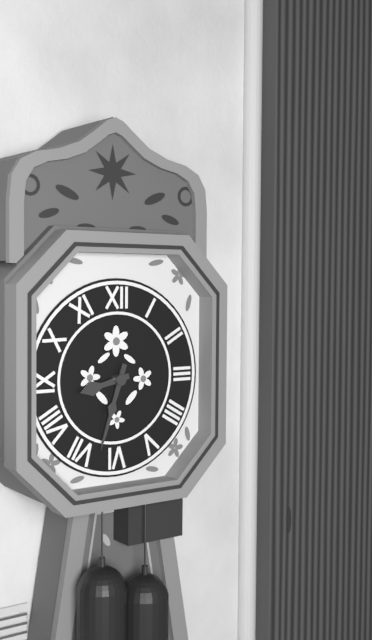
8 h 33 min
